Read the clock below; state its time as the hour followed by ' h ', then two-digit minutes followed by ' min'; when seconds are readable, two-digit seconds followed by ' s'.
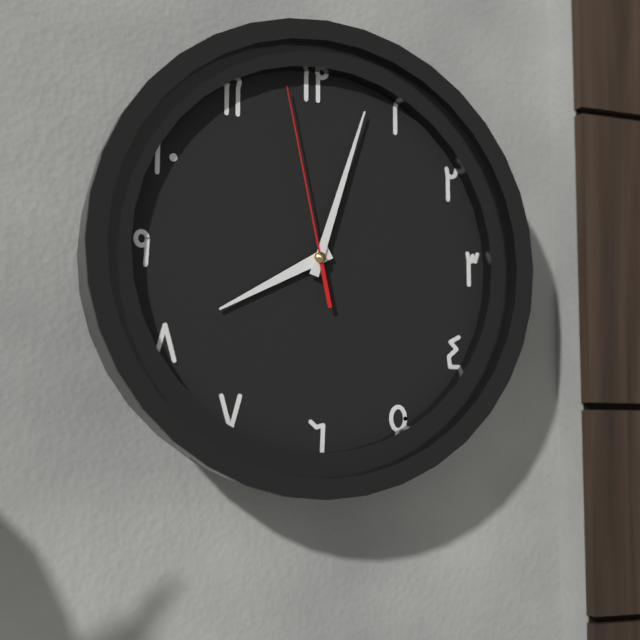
8 h 03 min 58 s
